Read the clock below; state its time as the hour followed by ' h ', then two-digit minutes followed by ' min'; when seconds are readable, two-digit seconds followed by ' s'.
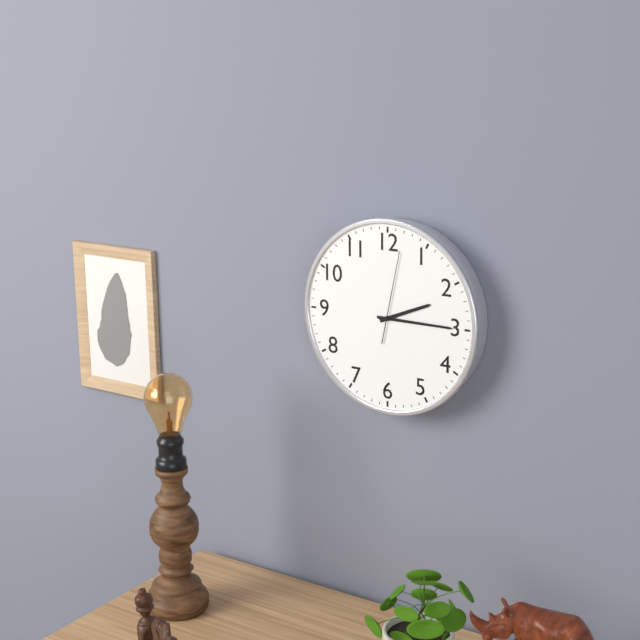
2 h 15 min 02 s
